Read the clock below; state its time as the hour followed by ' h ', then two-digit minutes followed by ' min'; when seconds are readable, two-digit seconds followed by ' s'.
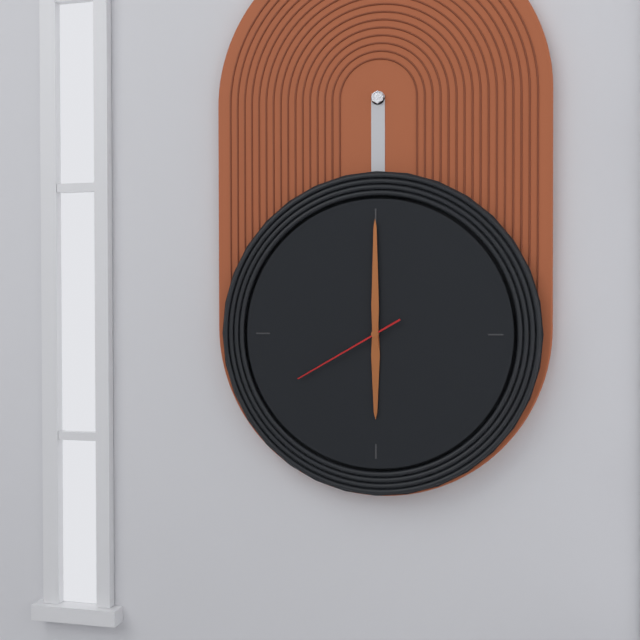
6 h 00 min 40 s
